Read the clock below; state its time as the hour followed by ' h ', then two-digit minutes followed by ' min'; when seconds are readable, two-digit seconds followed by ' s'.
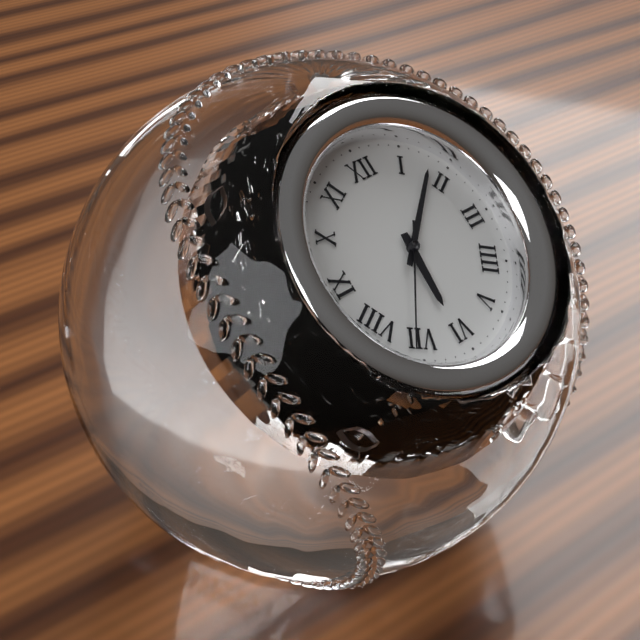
6 h 08 min 36 s
